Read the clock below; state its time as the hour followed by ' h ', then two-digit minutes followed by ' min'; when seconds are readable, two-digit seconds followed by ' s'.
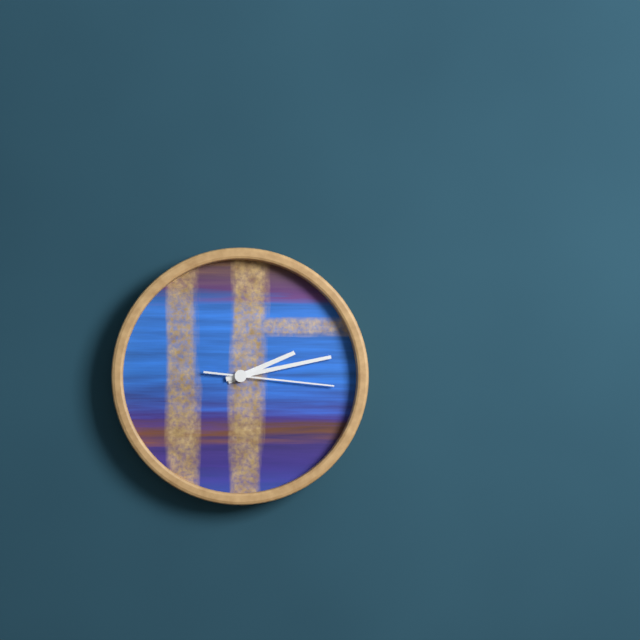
2 h 13 min 16 s
